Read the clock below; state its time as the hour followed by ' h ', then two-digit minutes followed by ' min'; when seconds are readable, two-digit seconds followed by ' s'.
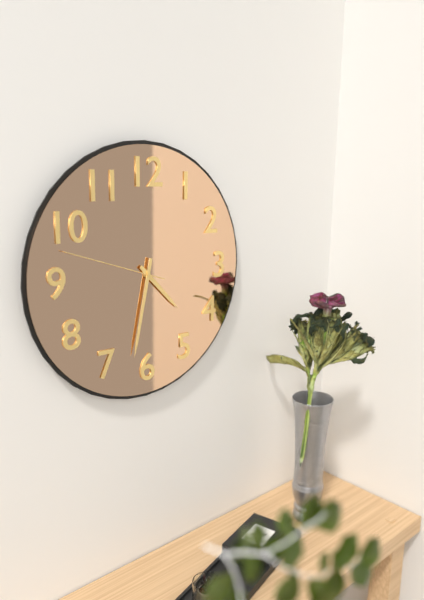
4 h 32 min 48 s
